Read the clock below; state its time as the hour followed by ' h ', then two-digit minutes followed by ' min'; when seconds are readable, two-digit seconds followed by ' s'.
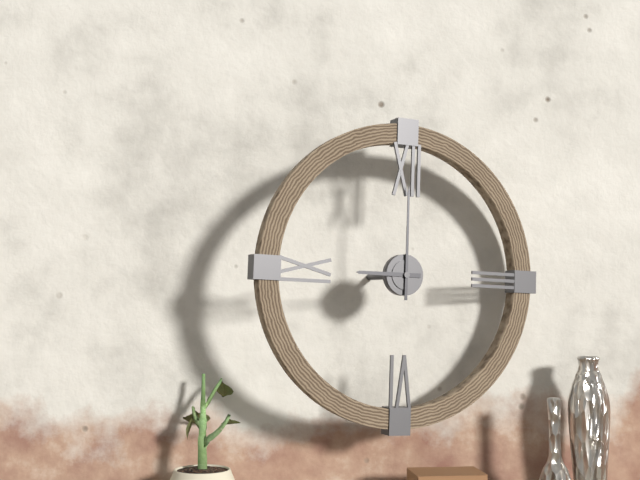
9 h 00 min
